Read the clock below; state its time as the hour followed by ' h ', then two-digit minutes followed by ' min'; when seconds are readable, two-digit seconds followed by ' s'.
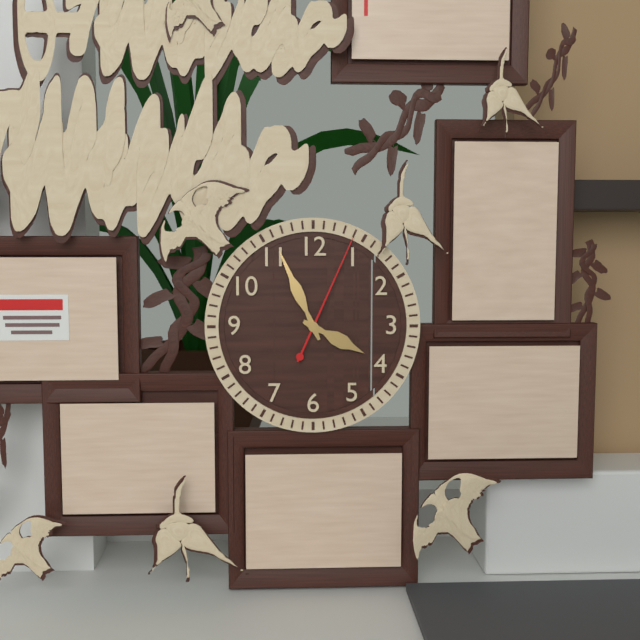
3 h 56 min 04 s
